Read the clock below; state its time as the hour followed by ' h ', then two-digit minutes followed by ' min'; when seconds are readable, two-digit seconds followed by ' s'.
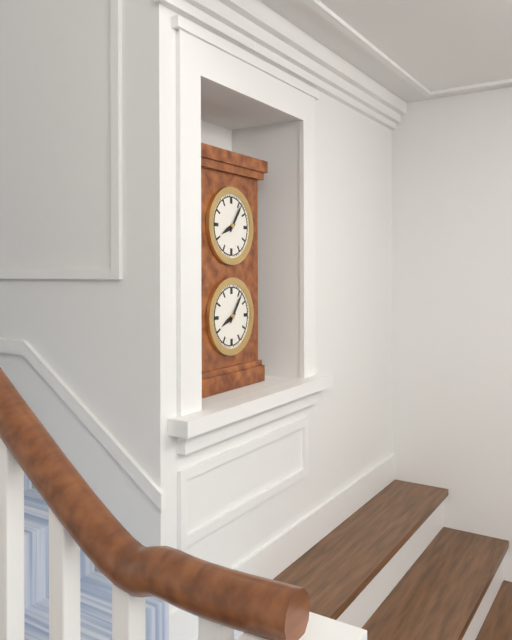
8 h 06 min
